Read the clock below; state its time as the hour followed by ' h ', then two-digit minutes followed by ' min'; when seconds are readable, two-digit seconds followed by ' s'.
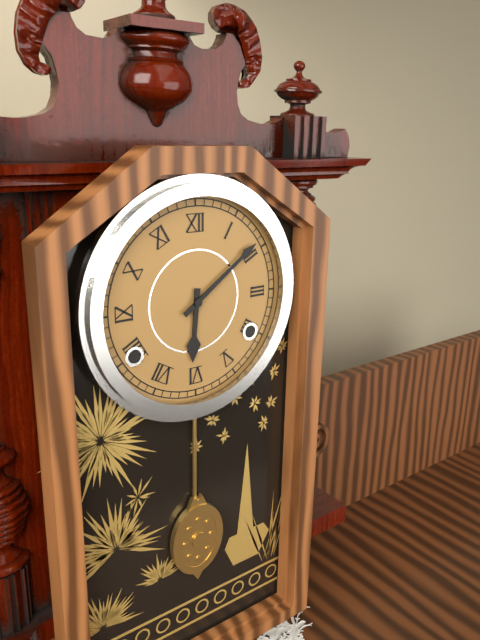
6 h 09 min
